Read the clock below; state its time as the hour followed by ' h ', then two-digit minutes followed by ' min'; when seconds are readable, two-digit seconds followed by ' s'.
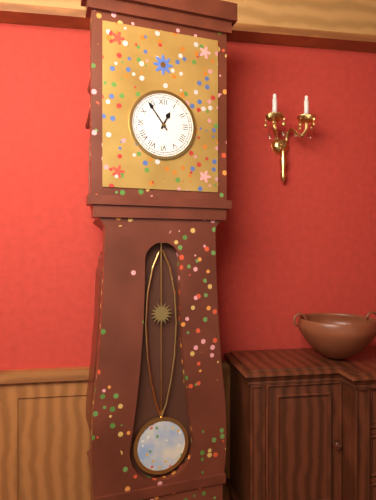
12 h 54 min
